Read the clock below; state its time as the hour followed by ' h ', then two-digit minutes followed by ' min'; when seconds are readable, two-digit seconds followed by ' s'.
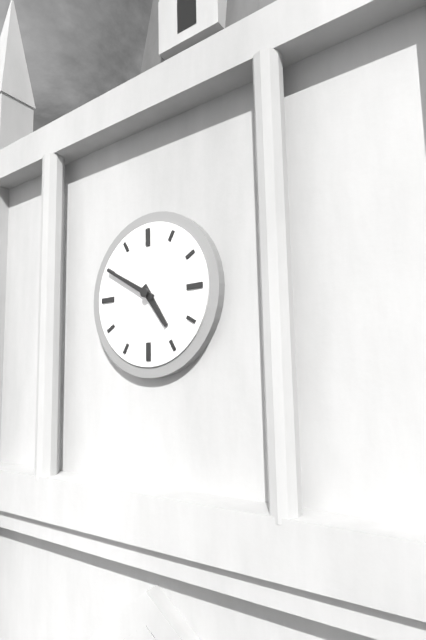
4 h 50 min
